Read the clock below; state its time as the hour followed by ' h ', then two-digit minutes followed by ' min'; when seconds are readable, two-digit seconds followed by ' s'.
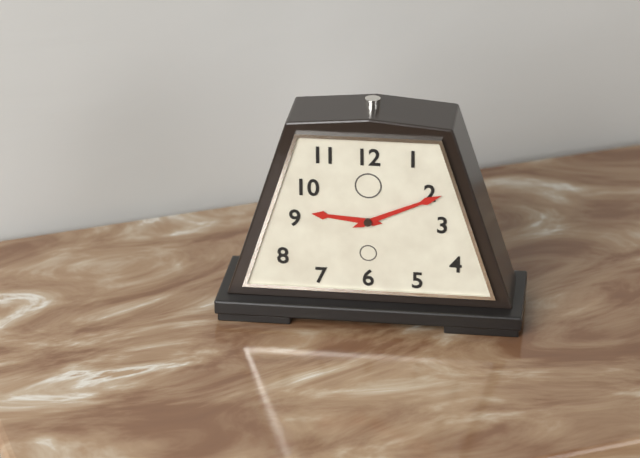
9 h 11 min
